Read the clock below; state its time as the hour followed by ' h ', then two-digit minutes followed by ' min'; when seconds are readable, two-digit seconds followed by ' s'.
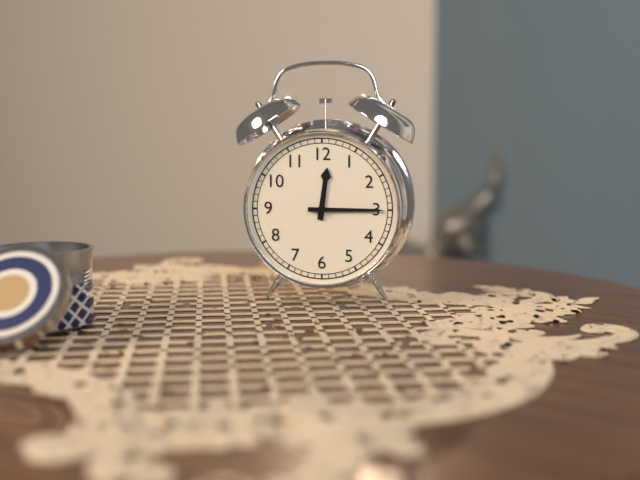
12 h 15 min
